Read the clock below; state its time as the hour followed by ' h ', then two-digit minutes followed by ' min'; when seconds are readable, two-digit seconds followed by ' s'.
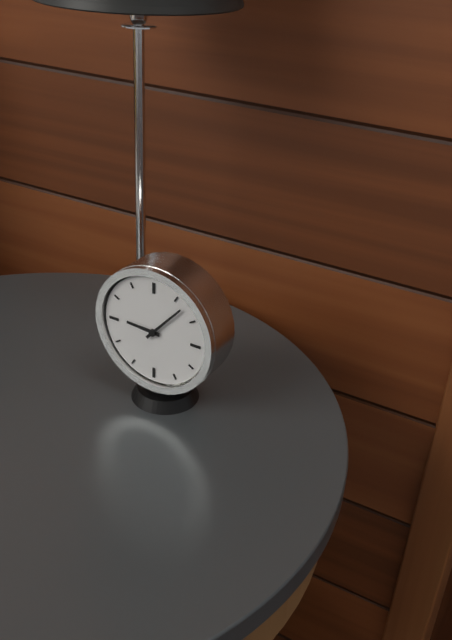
9 h 07 min
